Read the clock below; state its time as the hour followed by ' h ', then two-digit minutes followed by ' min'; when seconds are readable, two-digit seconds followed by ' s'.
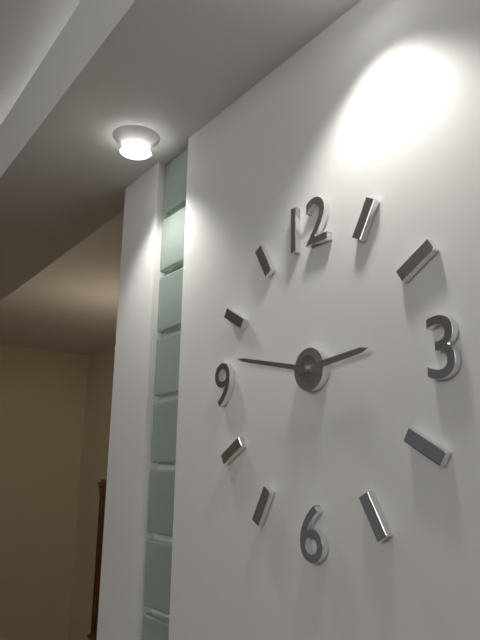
2 h 47 min
